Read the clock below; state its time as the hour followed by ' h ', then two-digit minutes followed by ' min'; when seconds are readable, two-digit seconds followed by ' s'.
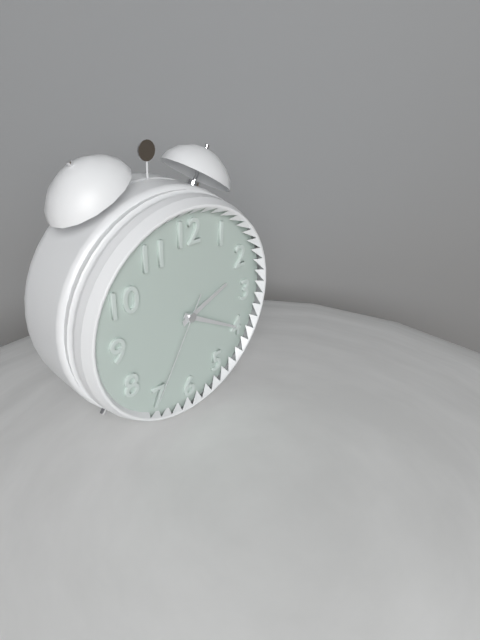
2 h 20 min 35 s
